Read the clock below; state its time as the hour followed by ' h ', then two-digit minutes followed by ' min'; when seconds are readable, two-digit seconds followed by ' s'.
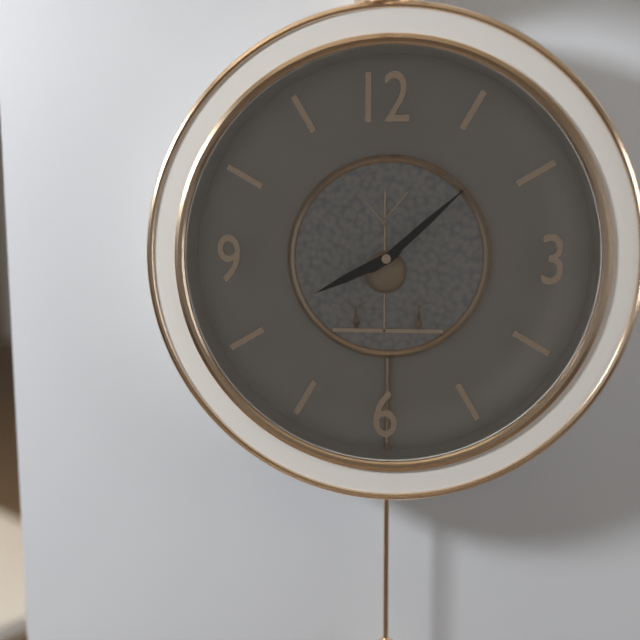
8 h 08 min
